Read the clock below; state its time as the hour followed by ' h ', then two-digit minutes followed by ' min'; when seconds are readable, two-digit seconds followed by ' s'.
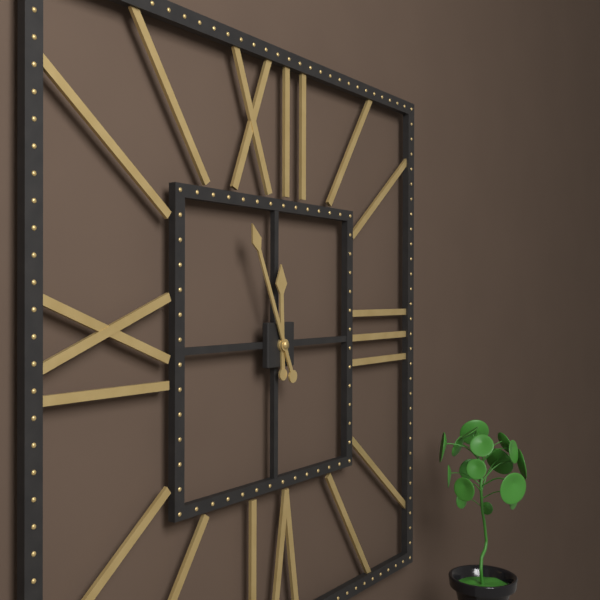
11 h 56 min
